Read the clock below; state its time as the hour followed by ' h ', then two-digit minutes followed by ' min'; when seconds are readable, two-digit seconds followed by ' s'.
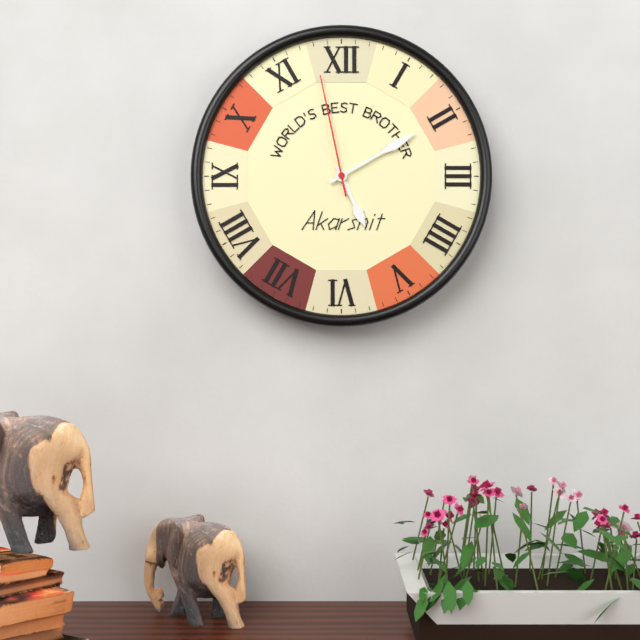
5 h 10 min 58 s
